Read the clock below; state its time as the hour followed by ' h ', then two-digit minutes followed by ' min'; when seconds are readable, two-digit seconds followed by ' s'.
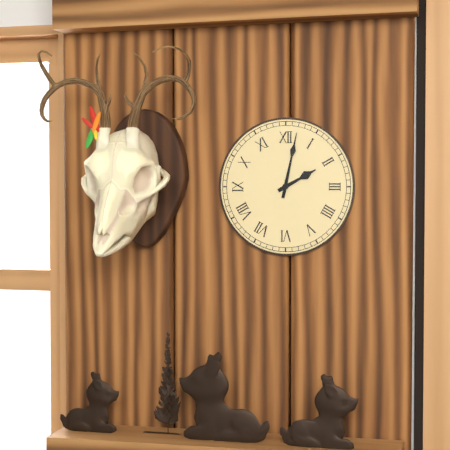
2 h 02 min
